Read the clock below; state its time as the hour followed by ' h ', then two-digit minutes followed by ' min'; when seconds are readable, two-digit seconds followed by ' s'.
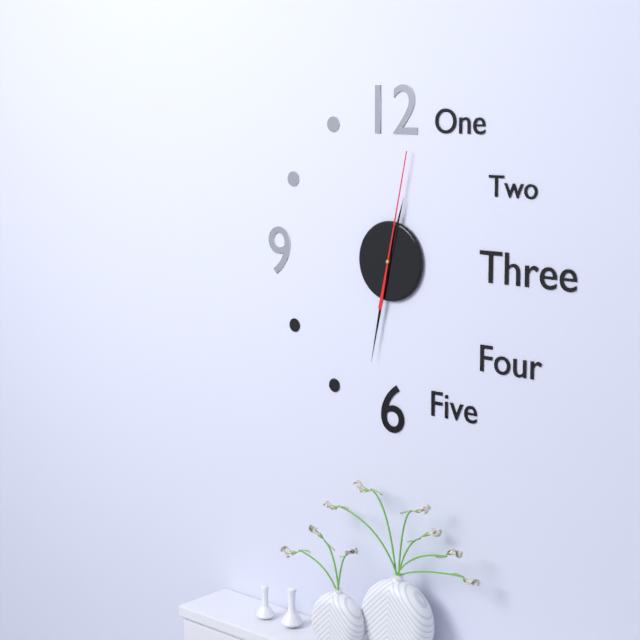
12 h 32 min 02 s
